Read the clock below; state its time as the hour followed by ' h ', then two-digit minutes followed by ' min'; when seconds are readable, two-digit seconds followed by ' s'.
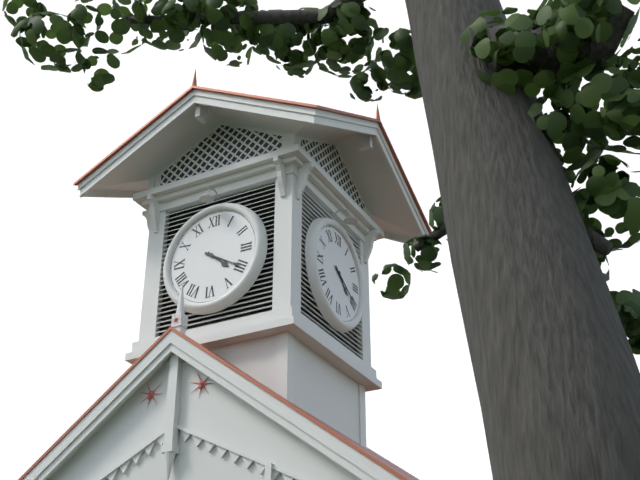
4 h 20 min
